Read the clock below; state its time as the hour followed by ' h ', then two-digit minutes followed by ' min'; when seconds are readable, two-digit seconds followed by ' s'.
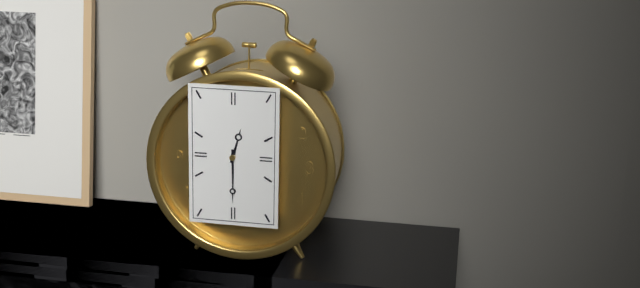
12 h 30 min
